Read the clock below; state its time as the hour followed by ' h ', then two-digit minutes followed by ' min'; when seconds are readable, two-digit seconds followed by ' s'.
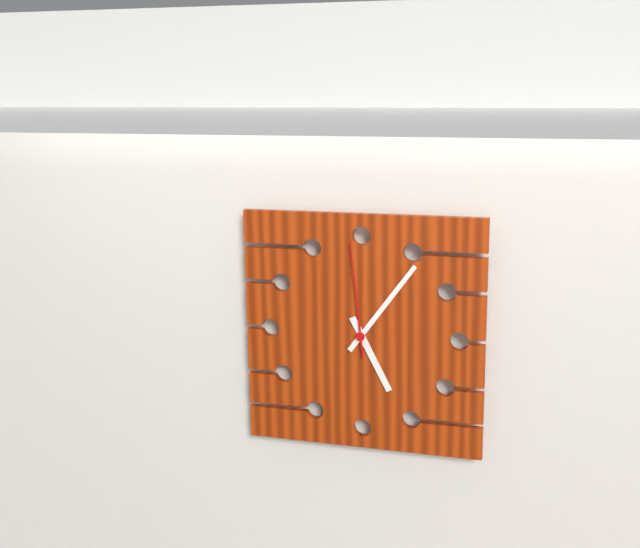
5 h 06 min 59 s
